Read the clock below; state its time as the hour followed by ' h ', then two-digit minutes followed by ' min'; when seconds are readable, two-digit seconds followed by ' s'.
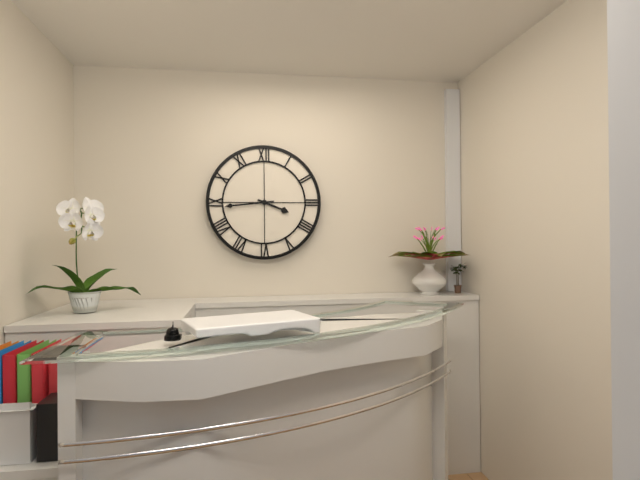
3 h 44 min
